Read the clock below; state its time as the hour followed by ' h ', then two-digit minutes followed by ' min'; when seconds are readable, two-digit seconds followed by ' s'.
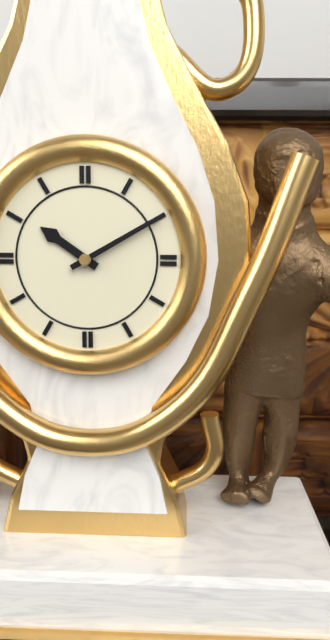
10 h 10 min
